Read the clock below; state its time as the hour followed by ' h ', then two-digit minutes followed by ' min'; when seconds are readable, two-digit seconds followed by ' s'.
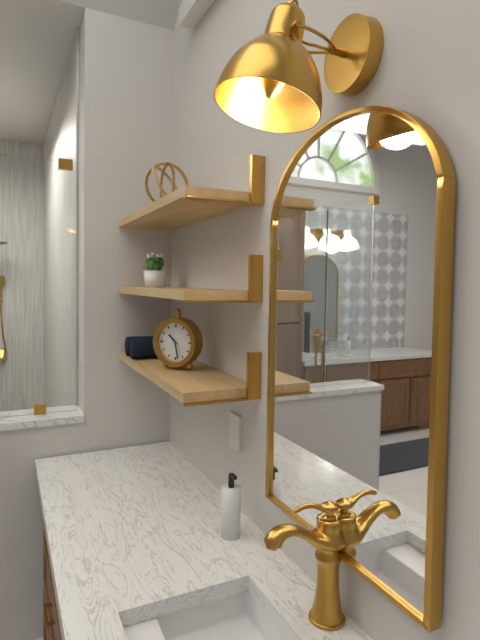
10 h 28 min
